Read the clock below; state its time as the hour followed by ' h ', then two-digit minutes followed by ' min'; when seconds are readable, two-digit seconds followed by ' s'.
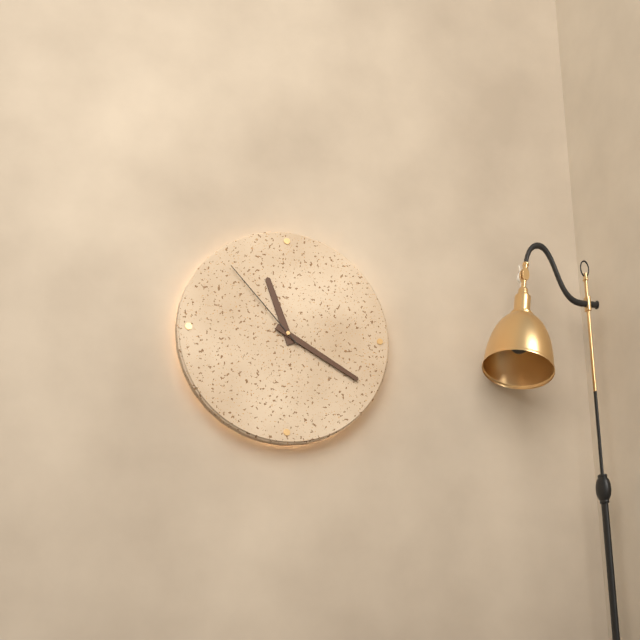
11 h 20 min 53 s
